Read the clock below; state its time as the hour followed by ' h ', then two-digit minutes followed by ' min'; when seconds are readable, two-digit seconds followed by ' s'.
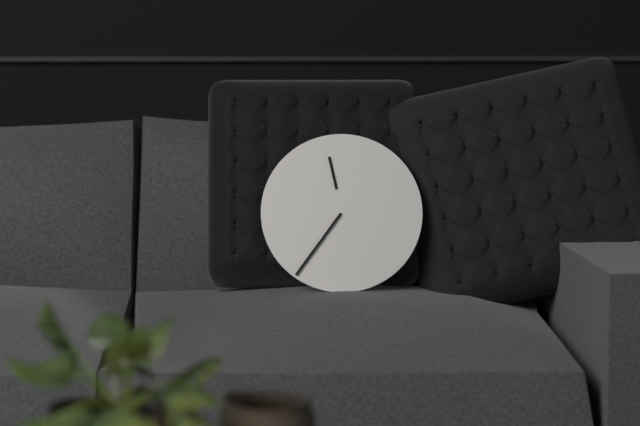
11 h 36 min
